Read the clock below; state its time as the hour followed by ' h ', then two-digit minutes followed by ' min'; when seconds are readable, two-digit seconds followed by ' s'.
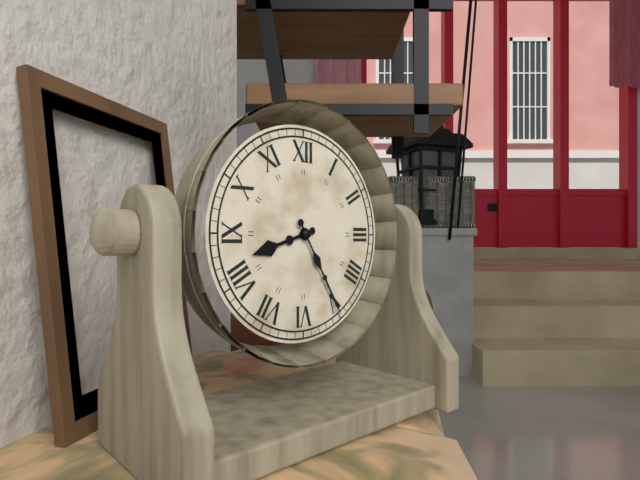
8 h 25 min
